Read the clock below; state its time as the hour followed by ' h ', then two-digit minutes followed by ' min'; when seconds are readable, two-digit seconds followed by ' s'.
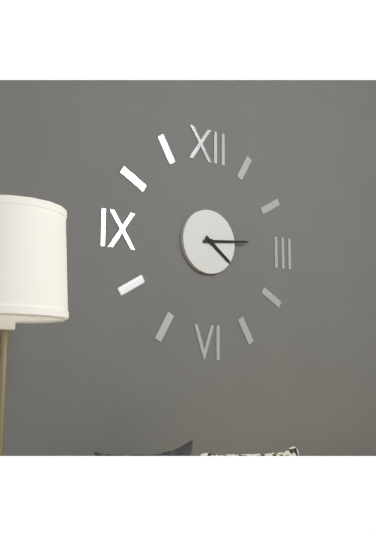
4 h 14 min
